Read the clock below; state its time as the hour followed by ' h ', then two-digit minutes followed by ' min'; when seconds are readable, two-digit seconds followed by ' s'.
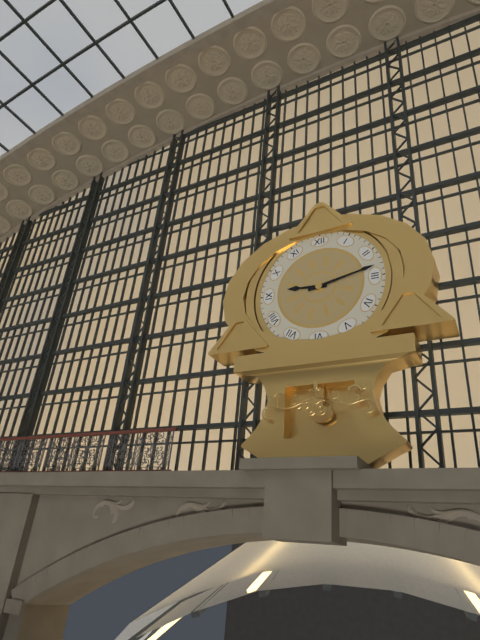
9 h 13 min
